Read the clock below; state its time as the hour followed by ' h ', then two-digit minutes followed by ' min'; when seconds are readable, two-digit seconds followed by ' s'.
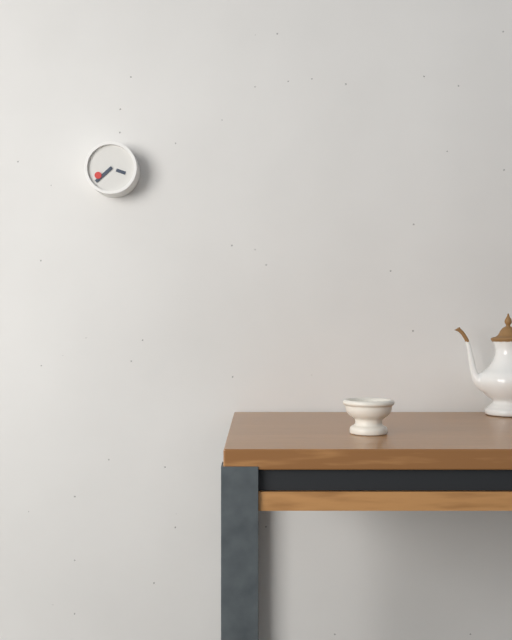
3 h 38 min
